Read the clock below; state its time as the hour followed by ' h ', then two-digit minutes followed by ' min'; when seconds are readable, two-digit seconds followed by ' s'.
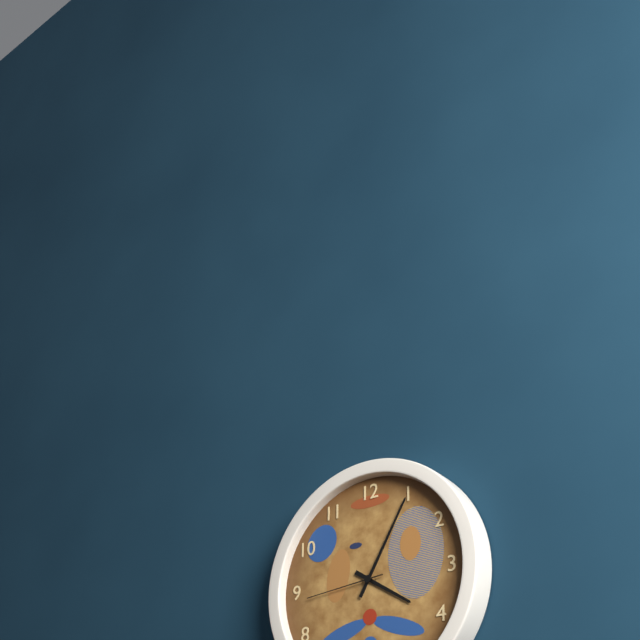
4 h 05 min 44 s
